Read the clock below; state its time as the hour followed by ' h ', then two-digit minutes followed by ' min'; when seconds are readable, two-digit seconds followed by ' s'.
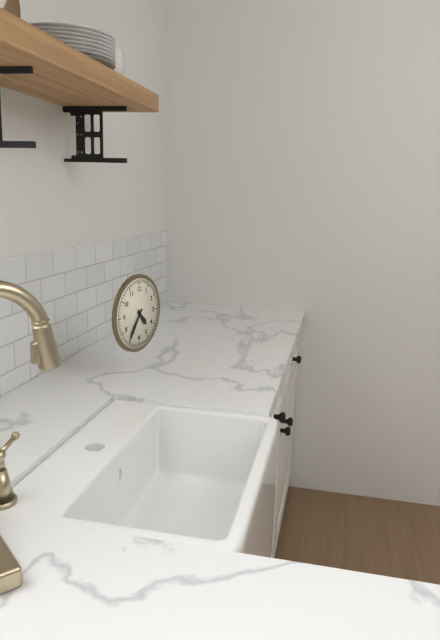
4 h 36 min
